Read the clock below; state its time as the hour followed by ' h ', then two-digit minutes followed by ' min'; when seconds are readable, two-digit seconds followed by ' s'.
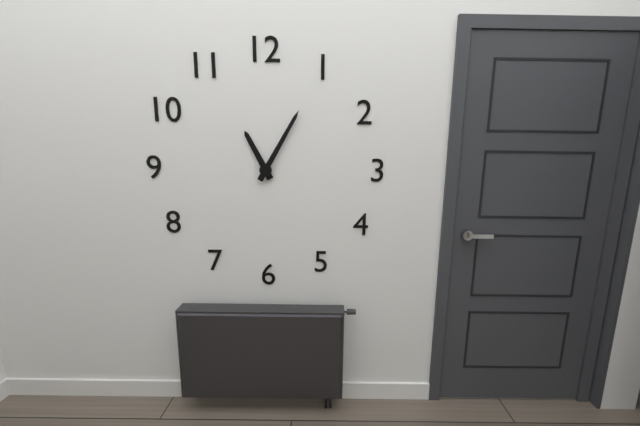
11 h 05 min
